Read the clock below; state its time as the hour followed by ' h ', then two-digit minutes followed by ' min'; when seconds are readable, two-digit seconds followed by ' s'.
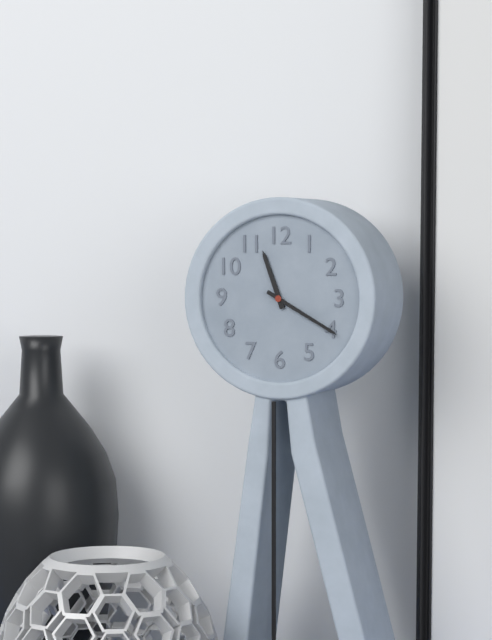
11 h 20 min
